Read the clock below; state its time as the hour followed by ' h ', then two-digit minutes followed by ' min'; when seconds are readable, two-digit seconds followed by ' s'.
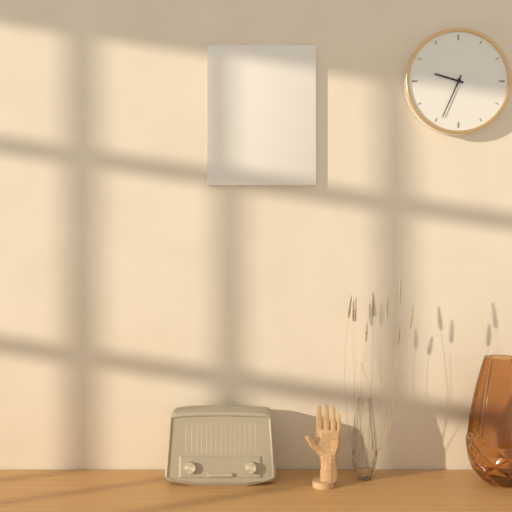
9 h 34 min
